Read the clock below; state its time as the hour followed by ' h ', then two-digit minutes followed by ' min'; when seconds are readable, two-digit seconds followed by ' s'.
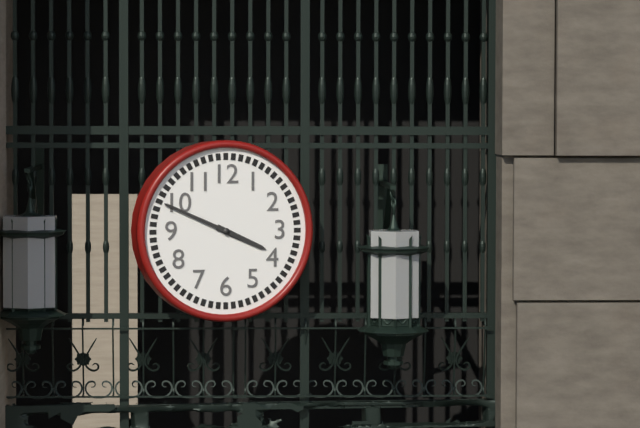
3 h 49 min
